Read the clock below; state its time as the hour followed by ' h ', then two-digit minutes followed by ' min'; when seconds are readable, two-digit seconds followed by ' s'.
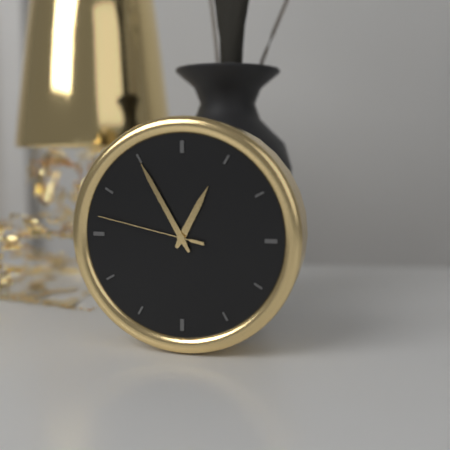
12 h 55 min 47 s
